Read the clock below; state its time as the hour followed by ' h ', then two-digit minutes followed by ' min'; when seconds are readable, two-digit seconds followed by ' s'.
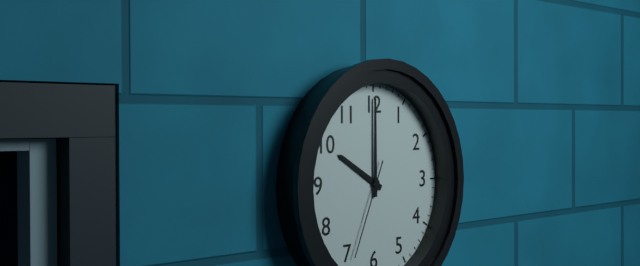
10 h 00 min 34 s
